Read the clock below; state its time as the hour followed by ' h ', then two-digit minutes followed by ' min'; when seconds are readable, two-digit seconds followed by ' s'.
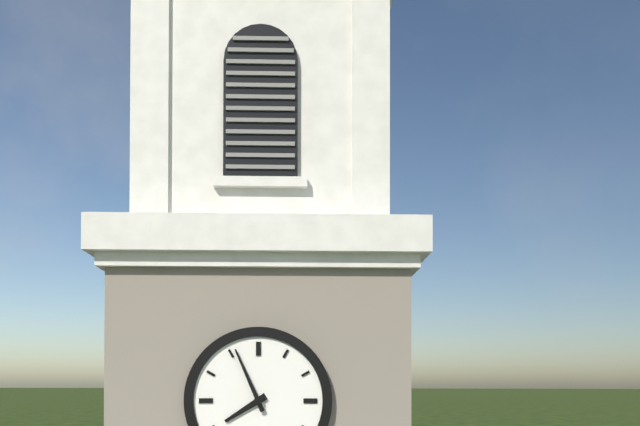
7 h 56 min
